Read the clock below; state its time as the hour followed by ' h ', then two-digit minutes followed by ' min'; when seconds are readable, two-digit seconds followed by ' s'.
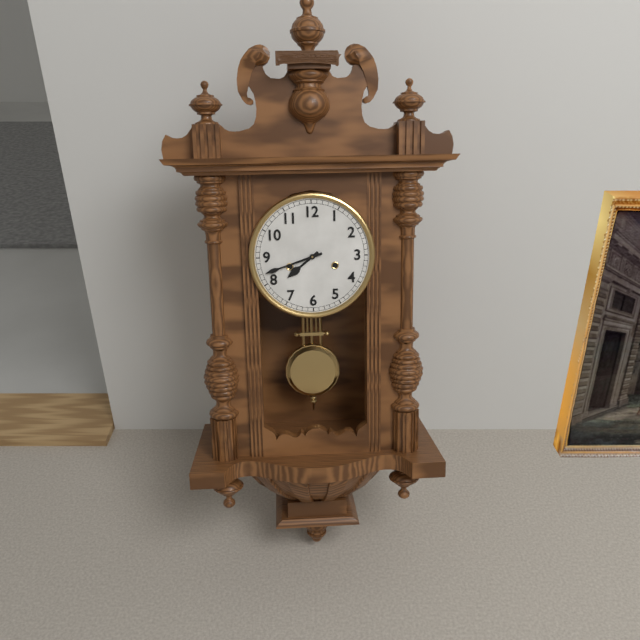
7 h 42 min
